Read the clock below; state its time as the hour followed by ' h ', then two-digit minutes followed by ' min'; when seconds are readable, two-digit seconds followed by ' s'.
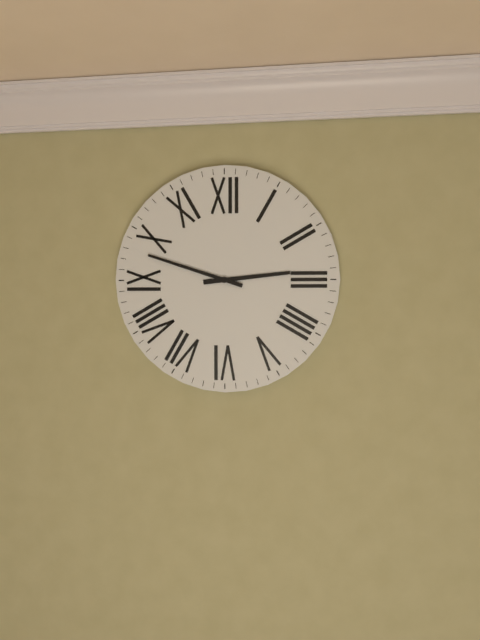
2 h 48 min
